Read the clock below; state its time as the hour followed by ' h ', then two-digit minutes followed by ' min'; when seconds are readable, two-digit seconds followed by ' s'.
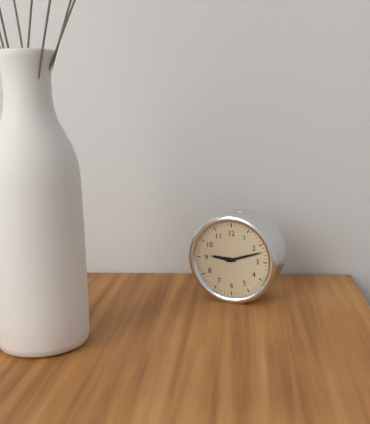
9 h 12 min
